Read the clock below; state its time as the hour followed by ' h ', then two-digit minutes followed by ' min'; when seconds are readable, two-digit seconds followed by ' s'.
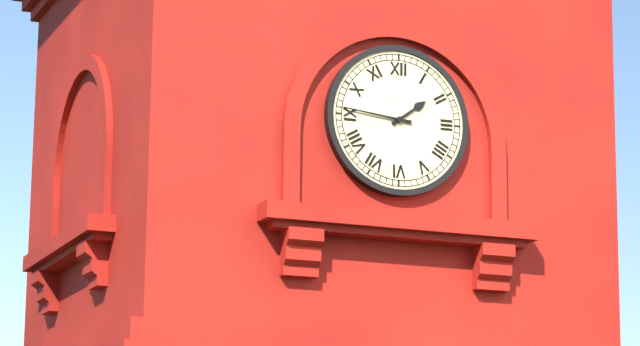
1 h 46 min
